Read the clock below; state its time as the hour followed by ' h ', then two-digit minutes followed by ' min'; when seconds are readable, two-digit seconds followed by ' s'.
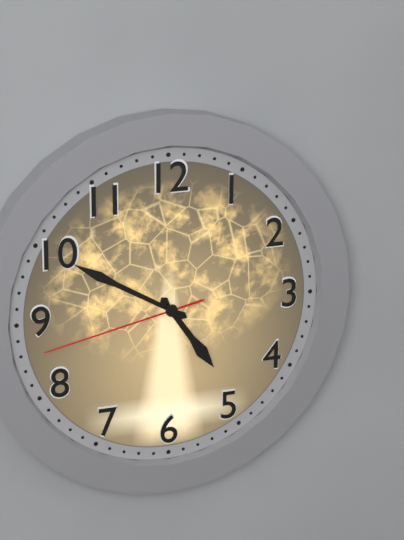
4 h 50 min 43 s
